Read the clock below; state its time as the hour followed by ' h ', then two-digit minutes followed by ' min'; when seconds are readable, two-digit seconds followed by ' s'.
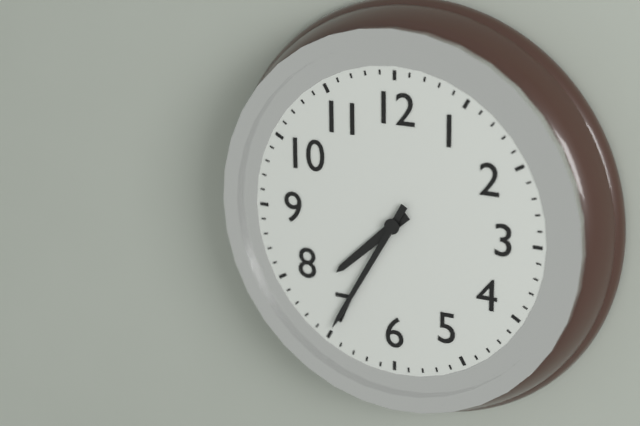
7 h 35 min
